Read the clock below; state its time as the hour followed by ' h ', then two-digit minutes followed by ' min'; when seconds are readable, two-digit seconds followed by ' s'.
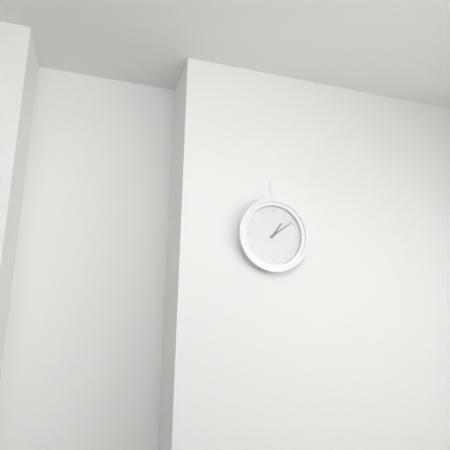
1 h 09 min
